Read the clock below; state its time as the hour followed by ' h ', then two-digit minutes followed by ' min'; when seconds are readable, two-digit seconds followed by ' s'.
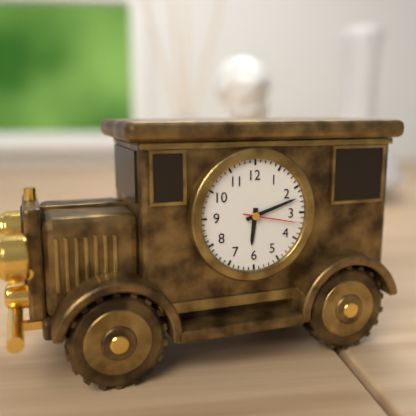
6 h 12 min 17 s
